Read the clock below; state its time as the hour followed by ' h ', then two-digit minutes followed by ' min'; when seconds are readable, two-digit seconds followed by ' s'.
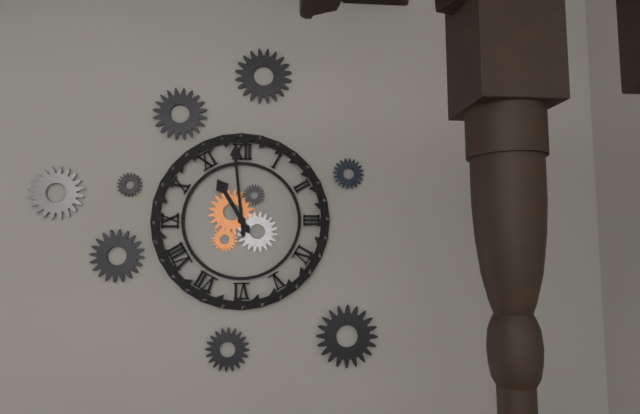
10 h 59 min
